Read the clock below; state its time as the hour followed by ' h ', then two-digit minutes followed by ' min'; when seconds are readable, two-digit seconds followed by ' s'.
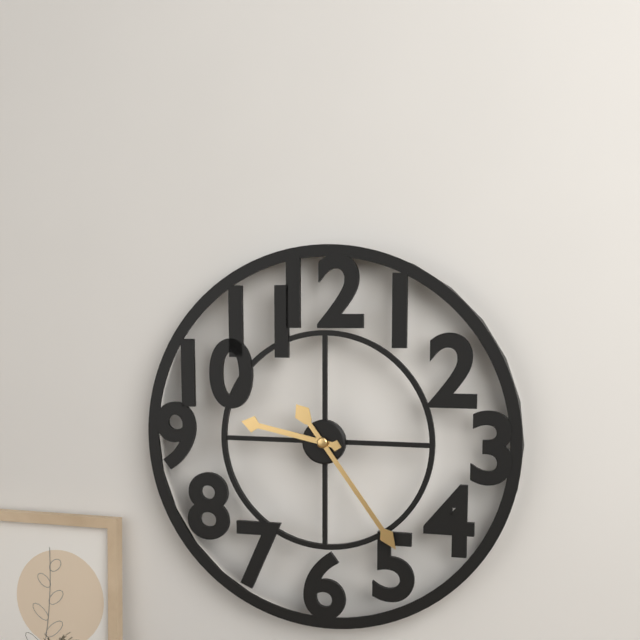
9 h 24 min
